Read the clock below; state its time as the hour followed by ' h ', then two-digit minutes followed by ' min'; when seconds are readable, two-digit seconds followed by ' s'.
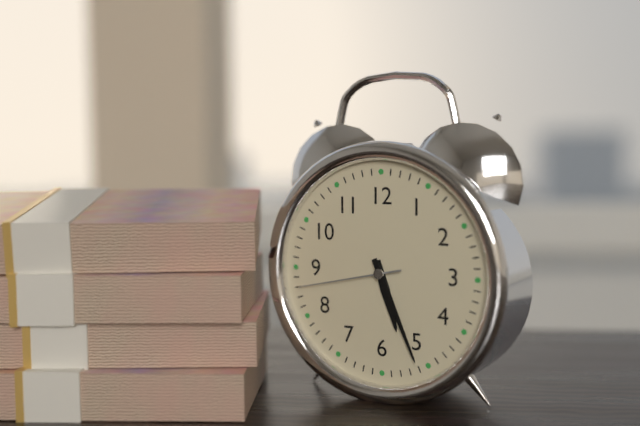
5 h 26 min 43 s
